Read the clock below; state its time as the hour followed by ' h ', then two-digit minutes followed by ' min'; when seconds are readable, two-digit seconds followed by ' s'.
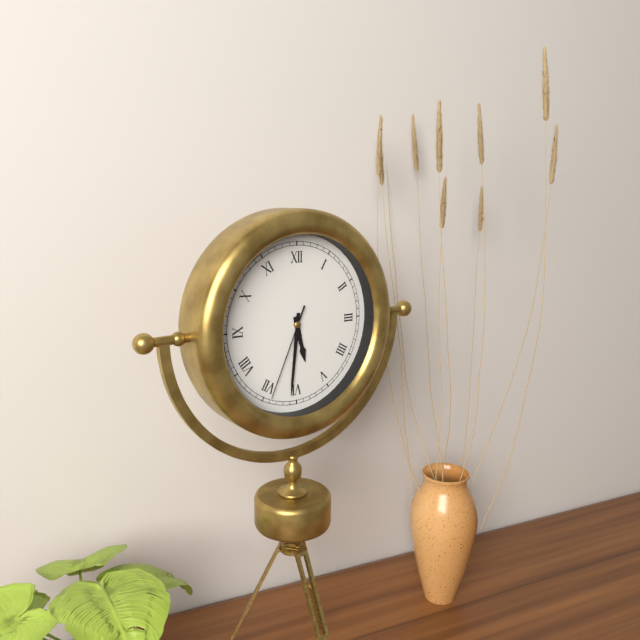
5 h 31 min 34 s
